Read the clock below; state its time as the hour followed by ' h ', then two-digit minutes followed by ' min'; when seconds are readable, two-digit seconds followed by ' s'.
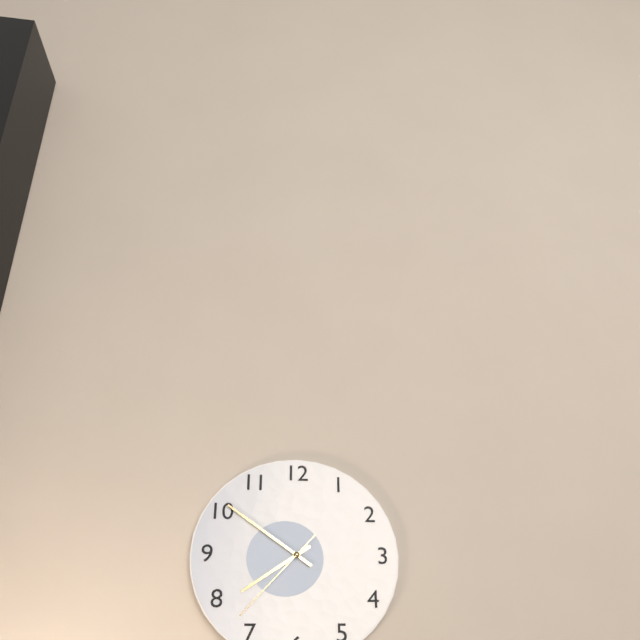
7 h 51 min 37 s
